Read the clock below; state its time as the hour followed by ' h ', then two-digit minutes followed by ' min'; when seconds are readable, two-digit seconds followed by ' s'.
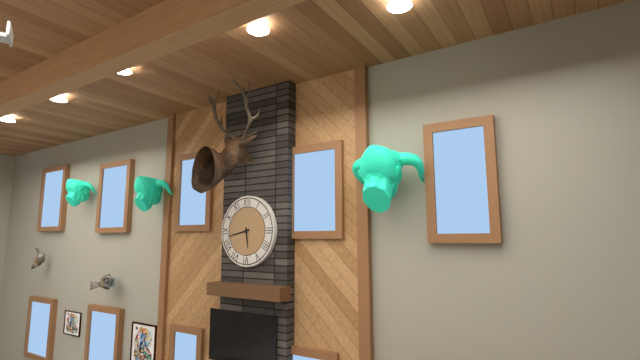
5 h 43 min
